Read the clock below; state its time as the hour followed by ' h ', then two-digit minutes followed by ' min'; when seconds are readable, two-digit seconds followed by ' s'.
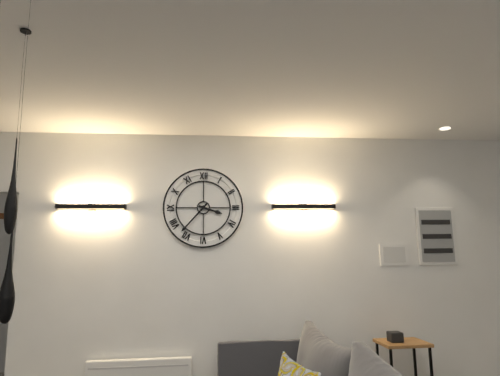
3 h 37 min
